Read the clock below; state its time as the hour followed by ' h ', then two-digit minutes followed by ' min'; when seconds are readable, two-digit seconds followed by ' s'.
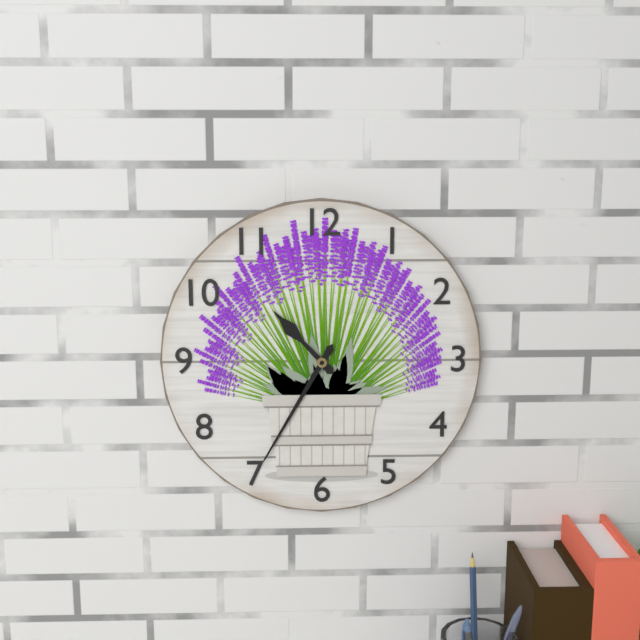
10 h 35 min
